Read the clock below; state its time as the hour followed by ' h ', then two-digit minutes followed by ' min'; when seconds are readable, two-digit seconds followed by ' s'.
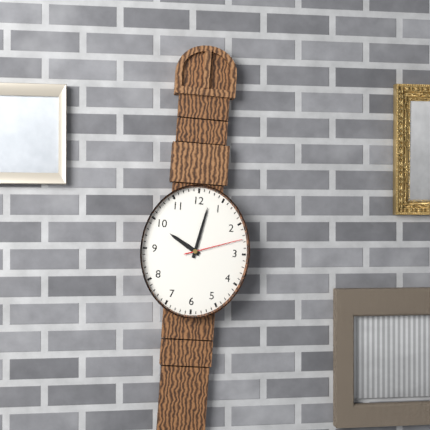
10 h 02 min 12 s
